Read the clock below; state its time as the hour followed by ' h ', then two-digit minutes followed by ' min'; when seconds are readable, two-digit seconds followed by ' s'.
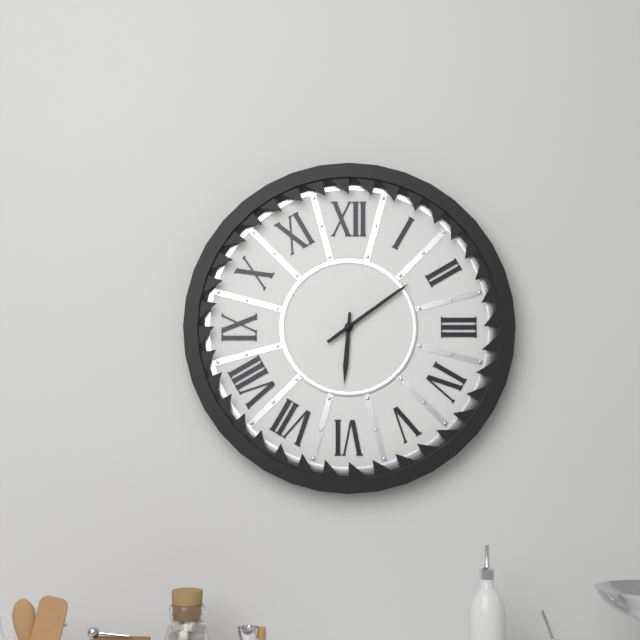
6 h 09 min
